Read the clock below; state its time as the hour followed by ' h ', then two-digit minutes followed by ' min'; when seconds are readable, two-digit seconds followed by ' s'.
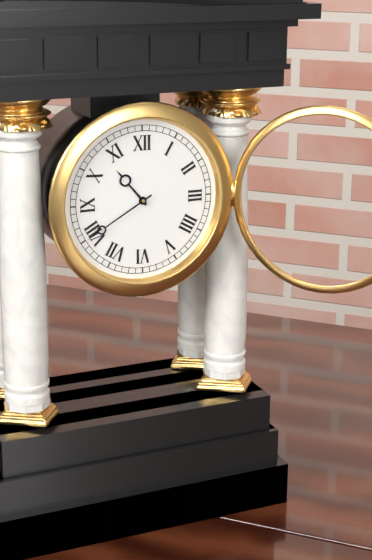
10 h 40 min
